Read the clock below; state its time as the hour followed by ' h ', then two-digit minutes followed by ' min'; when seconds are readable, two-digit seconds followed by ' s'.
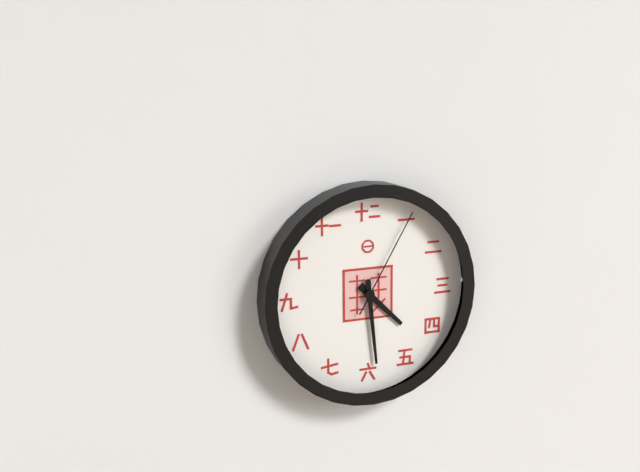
4 h 29 min 05 s
